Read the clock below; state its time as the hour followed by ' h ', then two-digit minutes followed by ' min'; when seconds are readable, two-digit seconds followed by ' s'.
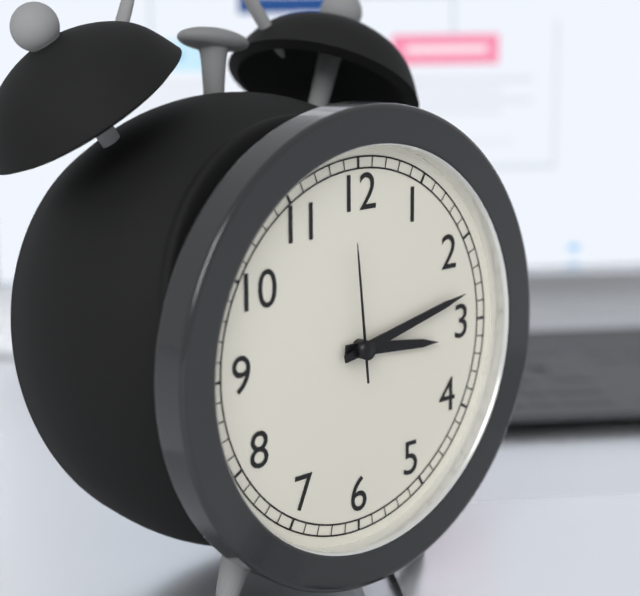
3 h 13 min 59 s
